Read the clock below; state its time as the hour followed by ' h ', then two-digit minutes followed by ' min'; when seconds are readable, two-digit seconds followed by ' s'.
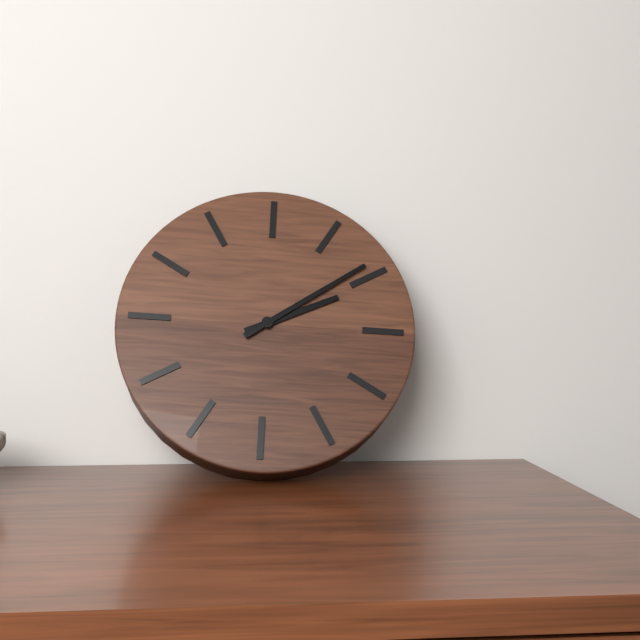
2 h 09 min
